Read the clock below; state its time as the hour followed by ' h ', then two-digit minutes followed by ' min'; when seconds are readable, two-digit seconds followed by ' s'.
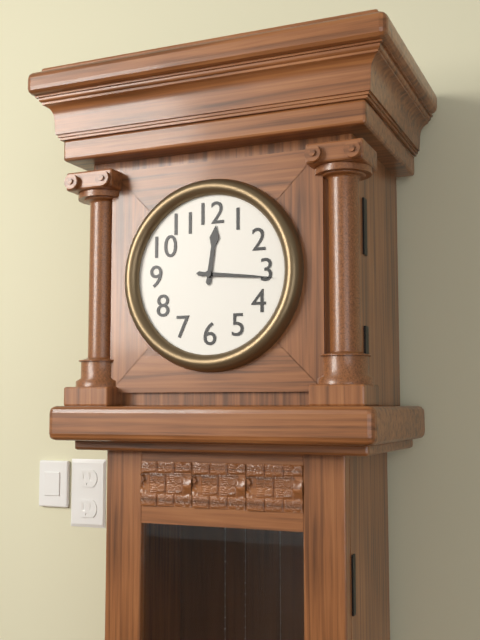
12 h 16 min
